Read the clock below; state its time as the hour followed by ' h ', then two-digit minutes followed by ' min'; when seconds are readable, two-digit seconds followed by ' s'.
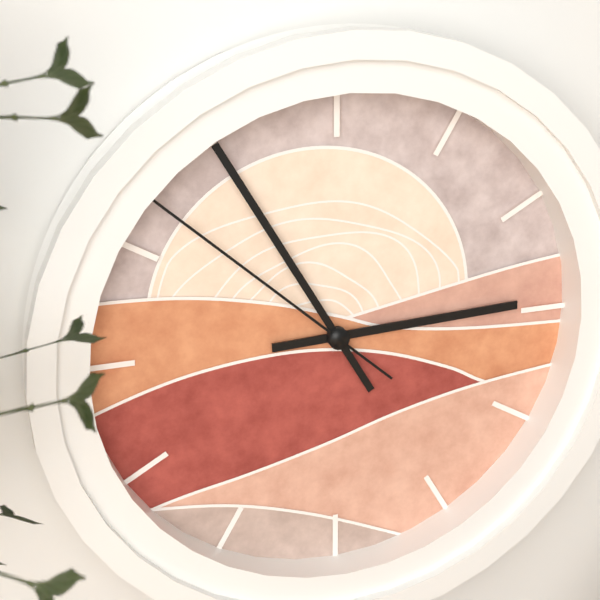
2 h 55 min 52 s
